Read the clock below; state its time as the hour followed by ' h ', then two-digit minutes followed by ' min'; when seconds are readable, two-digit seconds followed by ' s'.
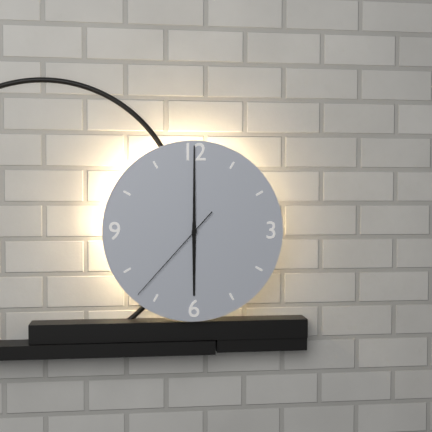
6 h 00 min 37 s
